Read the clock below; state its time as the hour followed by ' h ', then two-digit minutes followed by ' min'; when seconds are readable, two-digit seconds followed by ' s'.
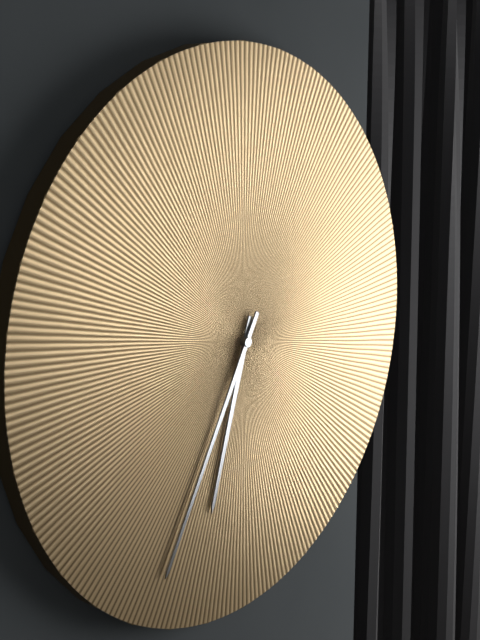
6 h 35 min
